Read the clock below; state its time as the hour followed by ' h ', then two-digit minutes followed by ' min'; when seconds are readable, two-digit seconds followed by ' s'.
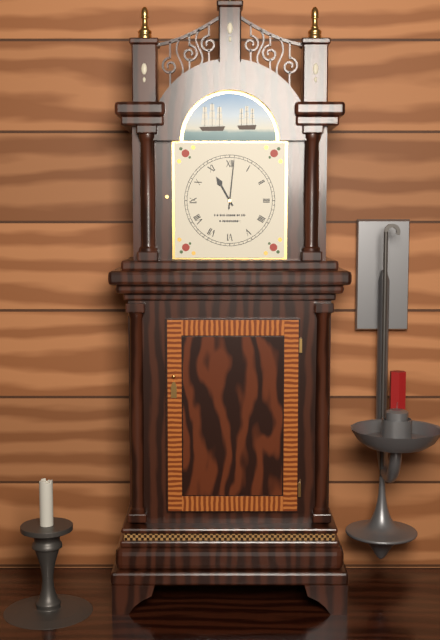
11 h 01 min
